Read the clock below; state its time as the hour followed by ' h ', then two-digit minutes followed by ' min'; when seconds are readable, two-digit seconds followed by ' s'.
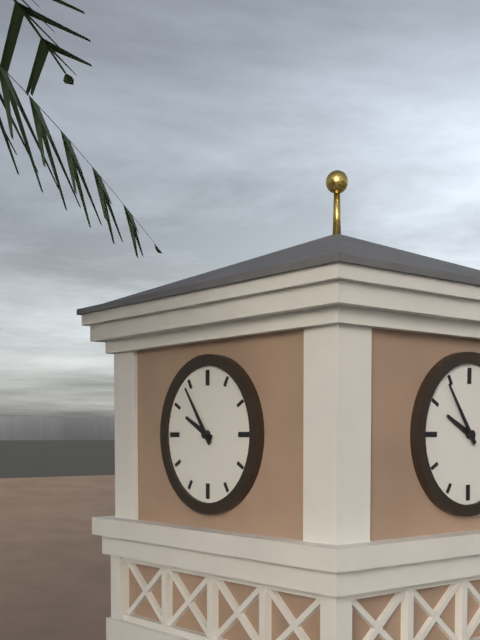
9 h 54 min
